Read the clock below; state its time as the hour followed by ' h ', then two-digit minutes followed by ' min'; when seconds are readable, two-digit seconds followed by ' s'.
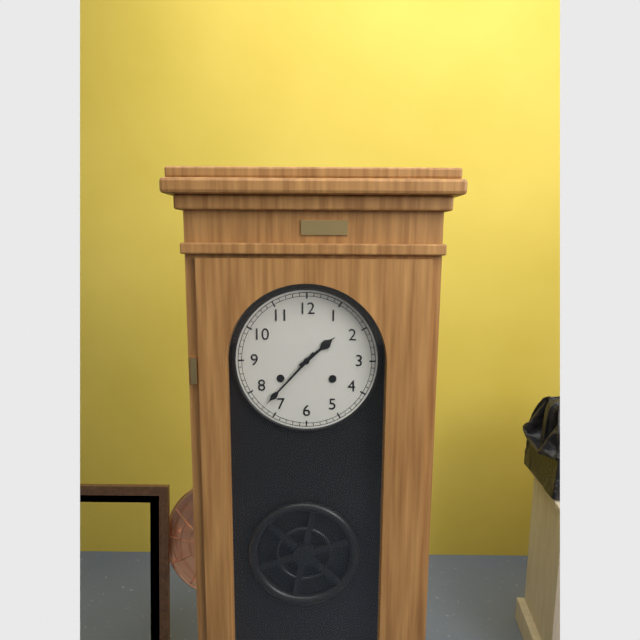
1 h 37 min
